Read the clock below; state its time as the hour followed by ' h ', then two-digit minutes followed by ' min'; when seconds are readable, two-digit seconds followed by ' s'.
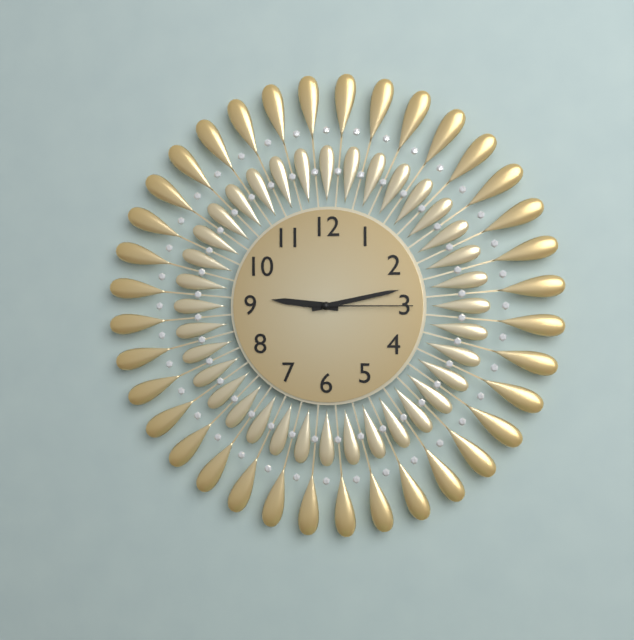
9 h 13 min 15 s
